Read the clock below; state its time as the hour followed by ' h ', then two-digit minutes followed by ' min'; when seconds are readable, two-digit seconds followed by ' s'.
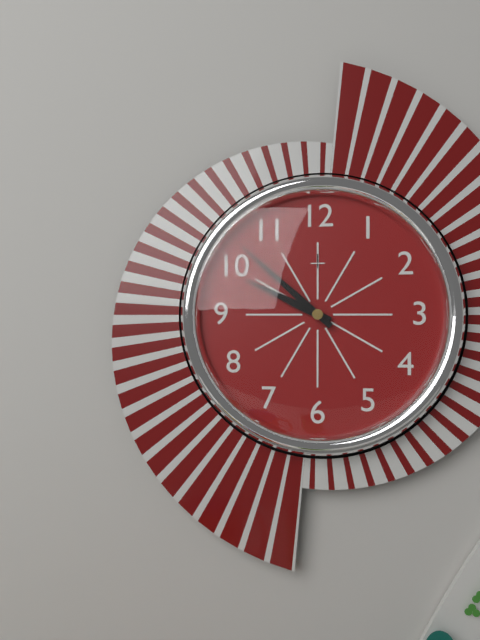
9 h 52 min
